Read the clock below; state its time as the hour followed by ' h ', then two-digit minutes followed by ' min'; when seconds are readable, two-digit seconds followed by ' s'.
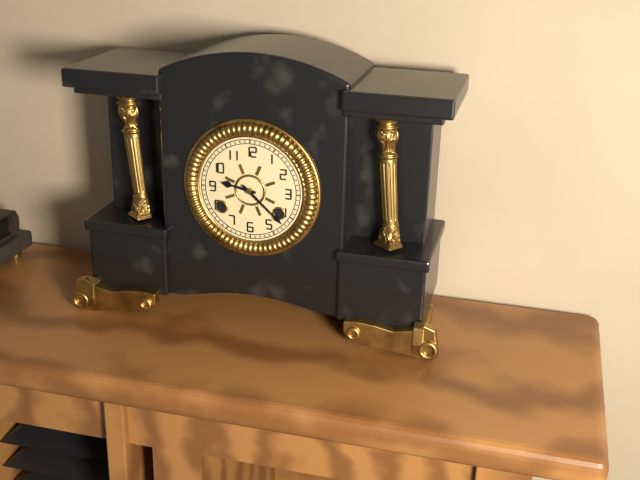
9 h 22 min
